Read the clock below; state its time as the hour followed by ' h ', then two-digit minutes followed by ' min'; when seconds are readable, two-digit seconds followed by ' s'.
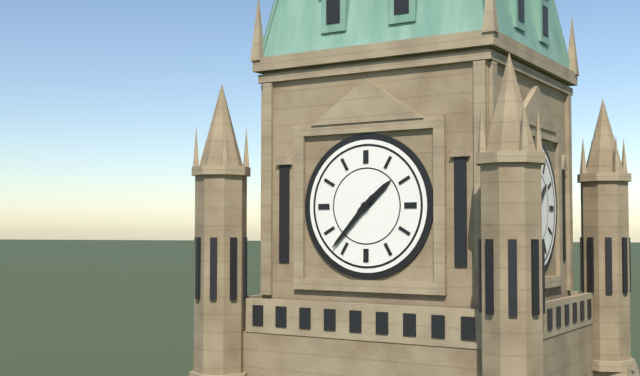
1 h 37 min
